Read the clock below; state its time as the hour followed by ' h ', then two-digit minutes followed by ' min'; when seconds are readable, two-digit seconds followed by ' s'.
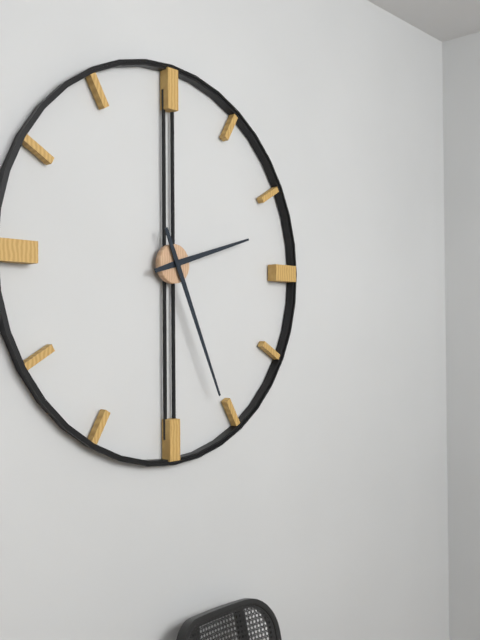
2 h 26 min
